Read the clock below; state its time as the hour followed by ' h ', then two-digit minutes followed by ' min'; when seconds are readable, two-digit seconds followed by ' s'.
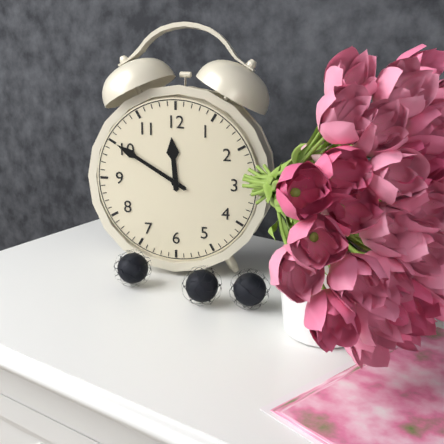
11 h 50 min
